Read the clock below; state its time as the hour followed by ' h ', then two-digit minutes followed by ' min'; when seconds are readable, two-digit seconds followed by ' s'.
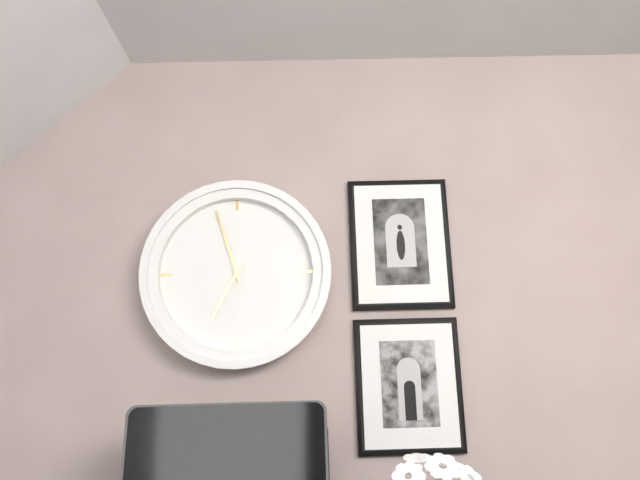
6 h 57 min
